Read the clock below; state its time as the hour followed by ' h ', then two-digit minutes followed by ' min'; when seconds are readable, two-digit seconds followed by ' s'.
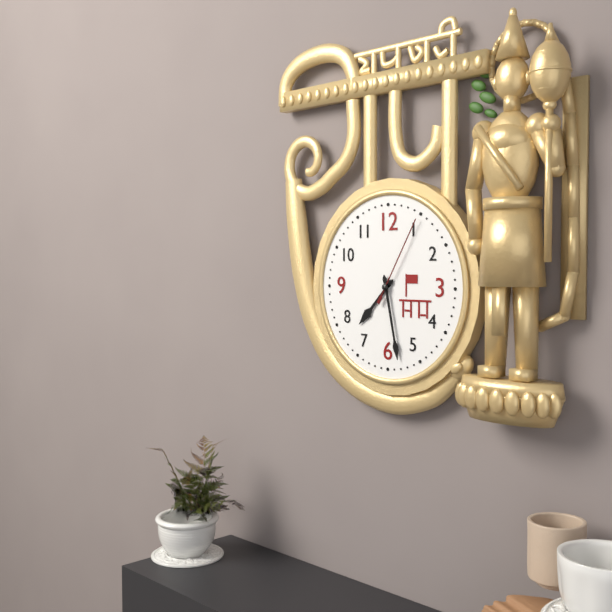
7 h 28 min 05 s
